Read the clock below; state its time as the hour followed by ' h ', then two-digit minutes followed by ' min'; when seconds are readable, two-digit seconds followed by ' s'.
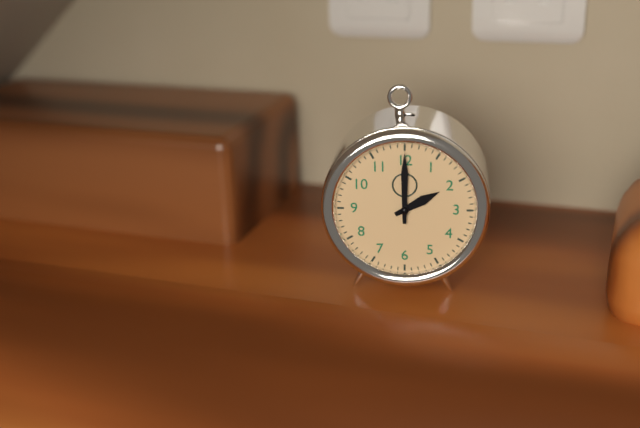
2 h 00 min
